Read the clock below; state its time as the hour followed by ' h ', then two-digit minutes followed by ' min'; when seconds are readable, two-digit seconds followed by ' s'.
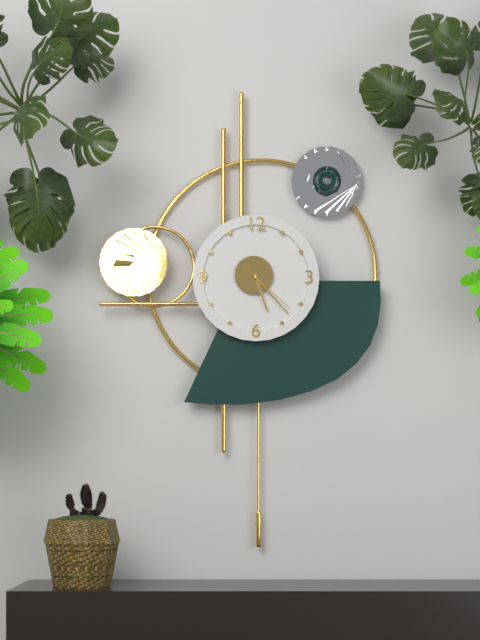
5 h 23 min 22 s
